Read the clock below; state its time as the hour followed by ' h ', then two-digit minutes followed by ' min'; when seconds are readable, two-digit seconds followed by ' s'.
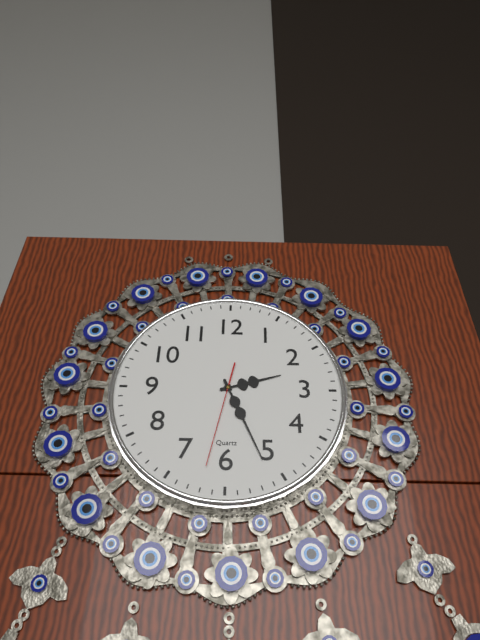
2 h 26 min 32 s
